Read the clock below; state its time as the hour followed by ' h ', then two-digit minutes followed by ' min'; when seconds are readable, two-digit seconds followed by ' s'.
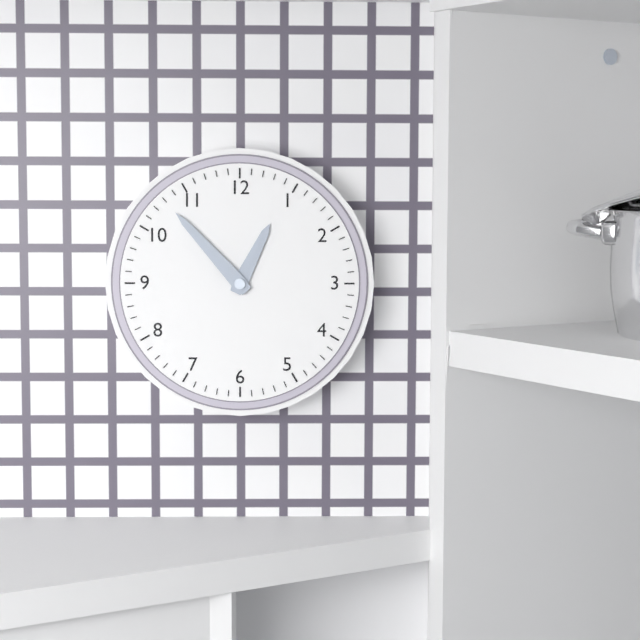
12 h 53 min
